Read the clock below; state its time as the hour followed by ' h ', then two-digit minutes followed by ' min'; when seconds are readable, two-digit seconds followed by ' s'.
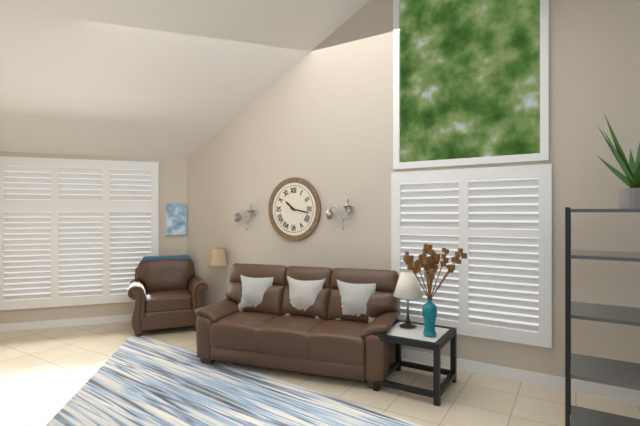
10 h 17 min
